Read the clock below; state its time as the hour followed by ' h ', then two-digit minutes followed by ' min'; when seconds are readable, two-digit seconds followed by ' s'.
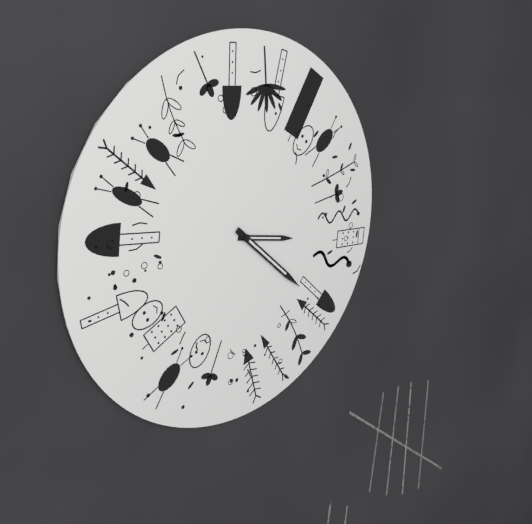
3 h 22 min
